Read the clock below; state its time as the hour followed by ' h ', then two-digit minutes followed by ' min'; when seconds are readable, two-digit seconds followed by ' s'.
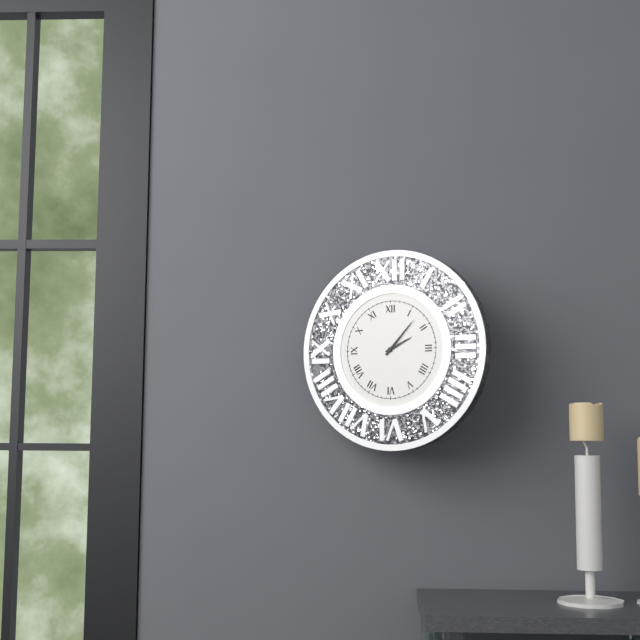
2 h 07 min
